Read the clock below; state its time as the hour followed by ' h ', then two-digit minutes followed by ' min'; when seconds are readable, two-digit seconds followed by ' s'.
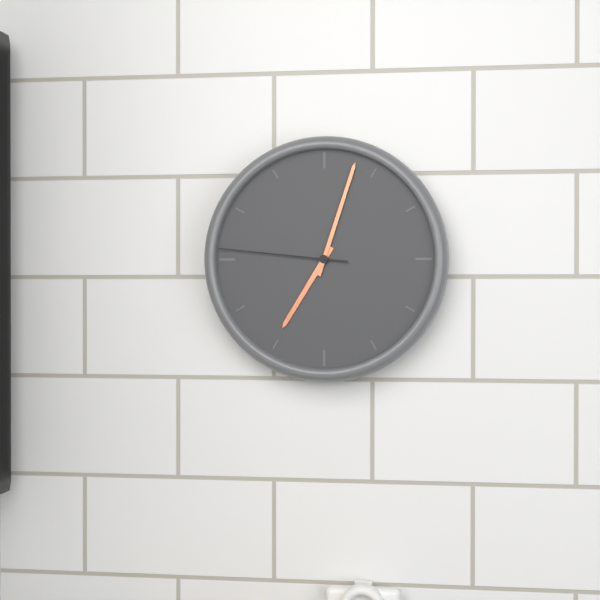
7 h 03 min 46 s
